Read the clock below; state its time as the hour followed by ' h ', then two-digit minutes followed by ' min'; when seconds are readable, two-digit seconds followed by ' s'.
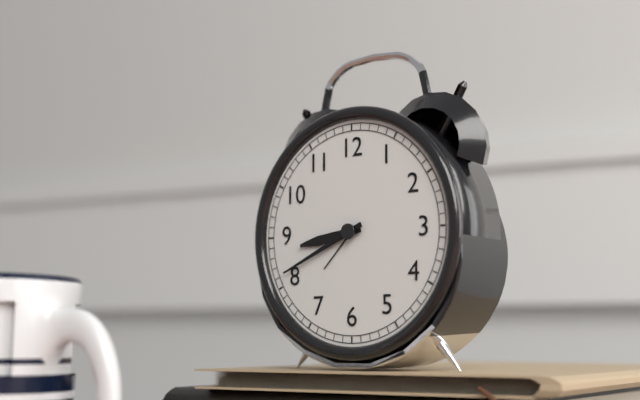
8 h 41 min
